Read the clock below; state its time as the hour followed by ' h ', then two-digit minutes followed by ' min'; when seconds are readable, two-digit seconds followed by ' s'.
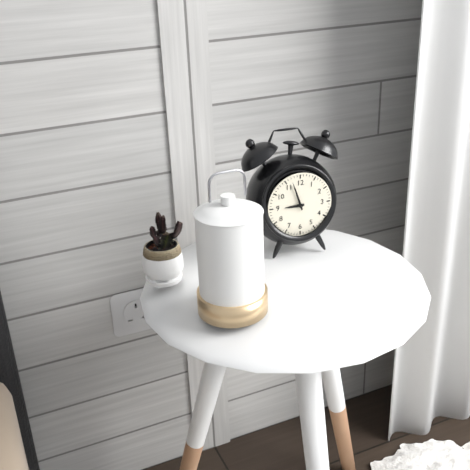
8 h 57 min
